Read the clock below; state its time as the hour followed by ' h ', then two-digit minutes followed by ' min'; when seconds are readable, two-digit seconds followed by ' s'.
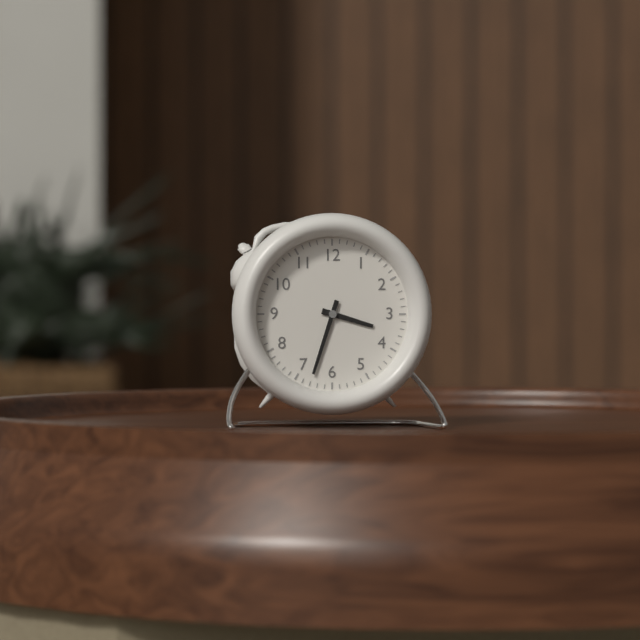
3 h 33 min
